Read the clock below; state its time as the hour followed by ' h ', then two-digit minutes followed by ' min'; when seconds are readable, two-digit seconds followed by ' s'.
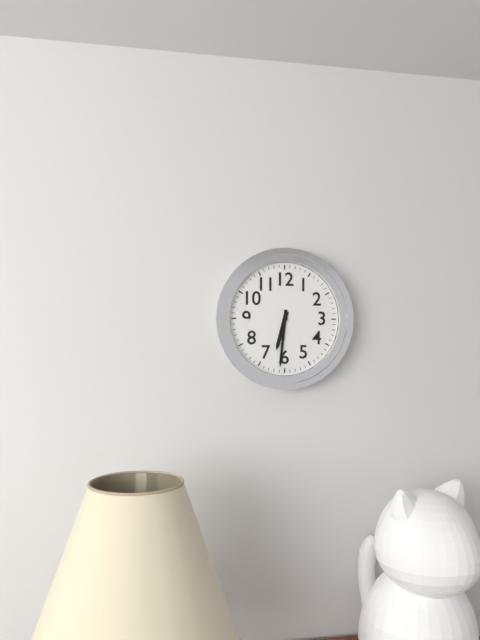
6 h 31 min
